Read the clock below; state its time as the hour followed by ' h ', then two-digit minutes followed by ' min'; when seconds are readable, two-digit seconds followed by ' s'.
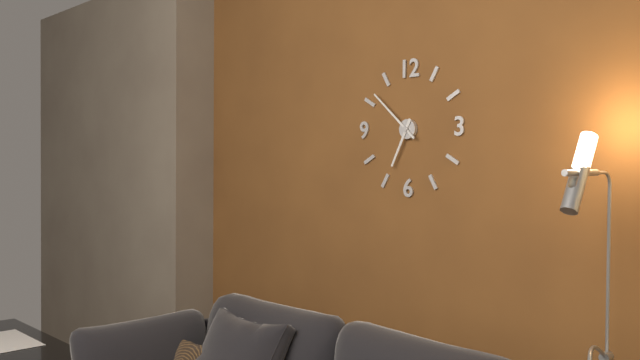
6 h 52 min
